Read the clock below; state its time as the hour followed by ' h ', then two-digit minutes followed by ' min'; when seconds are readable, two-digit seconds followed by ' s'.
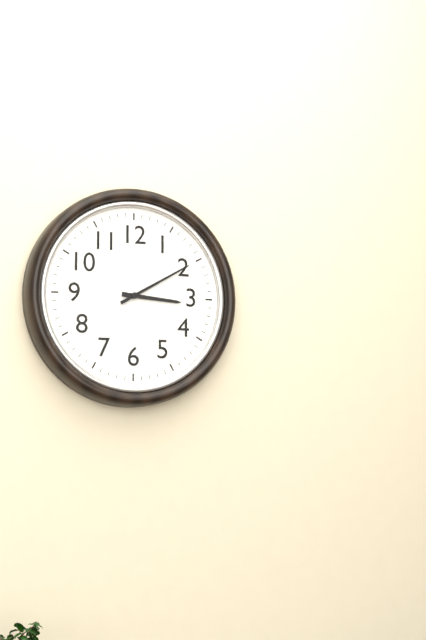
3 h 10 min
